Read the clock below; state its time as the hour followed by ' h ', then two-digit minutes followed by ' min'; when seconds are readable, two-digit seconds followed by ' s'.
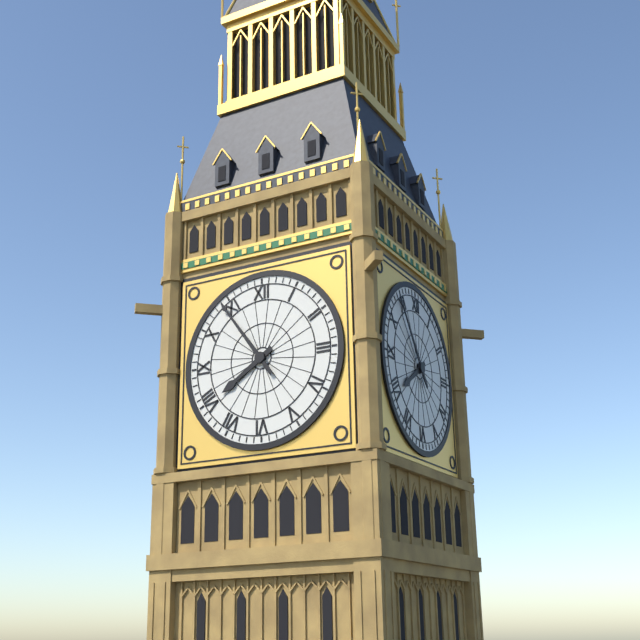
7 h 54 min
